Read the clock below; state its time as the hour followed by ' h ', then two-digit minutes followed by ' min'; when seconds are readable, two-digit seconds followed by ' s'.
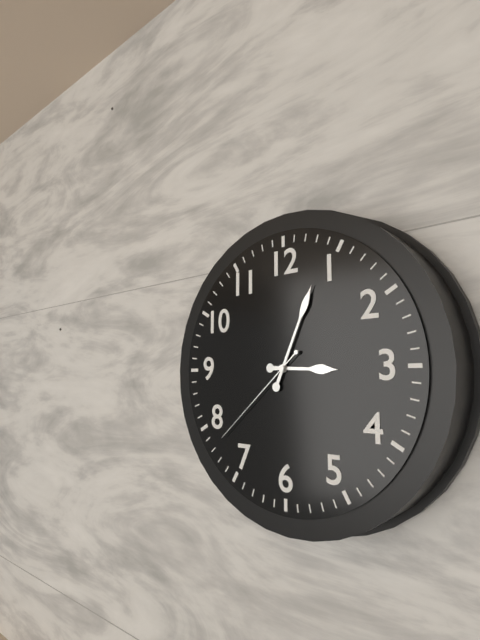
3 h 04 min 38 s
